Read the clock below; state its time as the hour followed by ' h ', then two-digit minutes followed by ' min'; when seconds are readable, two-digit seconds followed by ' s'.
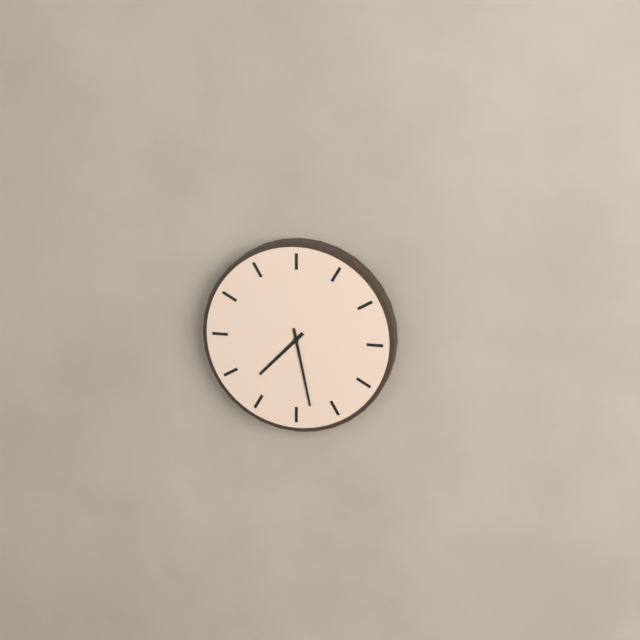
7 h 28 min
